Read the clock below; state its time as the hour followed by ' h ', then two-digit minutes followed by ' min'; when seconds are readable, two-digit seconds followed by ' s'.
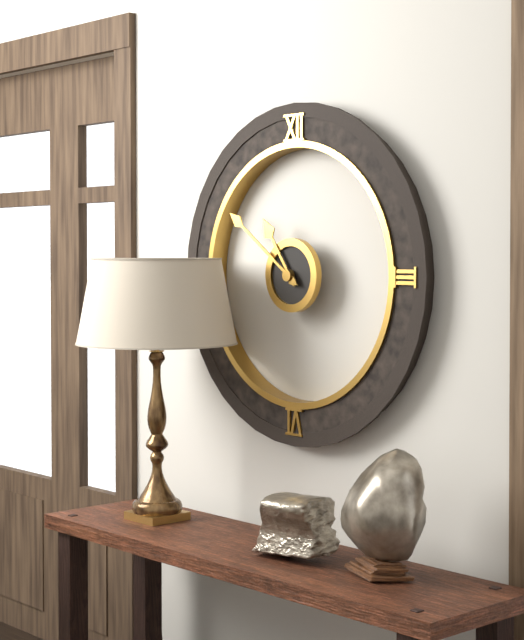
10 h 51 min
